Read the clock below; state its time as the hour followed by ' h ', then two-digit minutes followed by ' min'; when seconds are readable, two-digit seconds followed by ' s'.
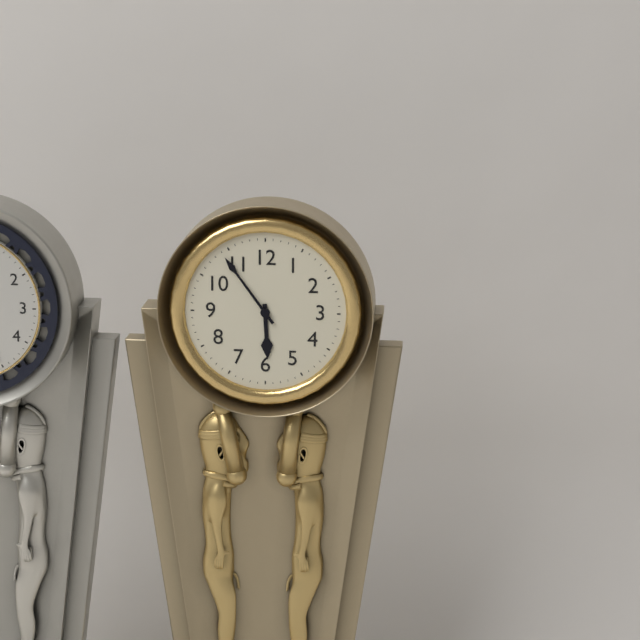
5 h 54 min
